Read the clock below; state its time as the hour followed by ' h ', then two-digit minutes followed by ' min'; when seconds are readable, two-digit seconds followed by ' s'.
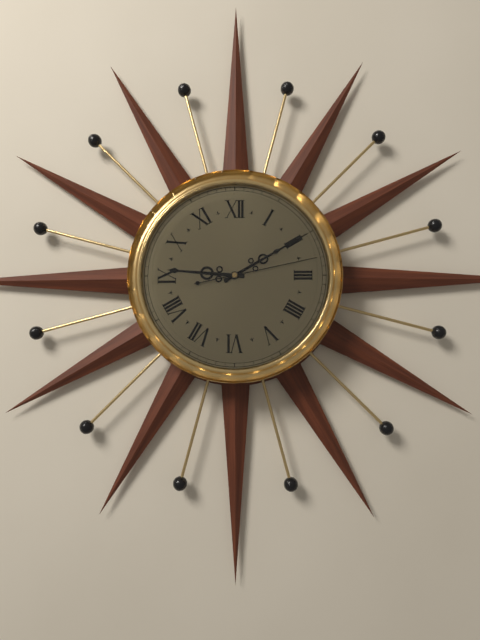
9 h 10 min 13 s
